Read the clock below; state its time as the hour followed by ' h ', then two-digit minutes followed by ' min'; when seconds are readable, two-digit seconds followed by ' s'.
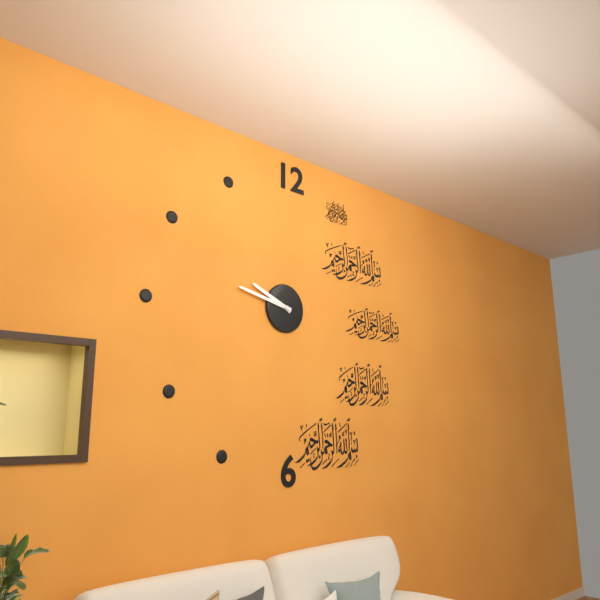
9 h 47 min
